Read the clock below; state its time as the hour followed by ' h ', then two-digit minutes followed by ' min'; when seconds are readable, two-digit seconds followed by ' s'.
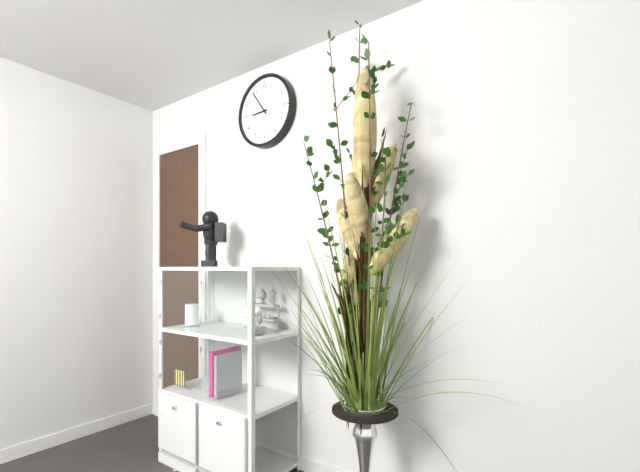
8 h 54 min
